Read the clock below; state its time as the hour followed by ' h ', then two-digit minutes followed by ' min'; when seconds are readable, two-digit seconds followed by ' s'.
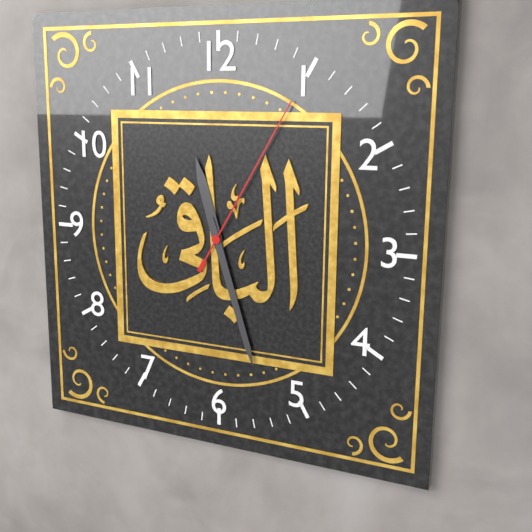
11 h 27 min 05 s
